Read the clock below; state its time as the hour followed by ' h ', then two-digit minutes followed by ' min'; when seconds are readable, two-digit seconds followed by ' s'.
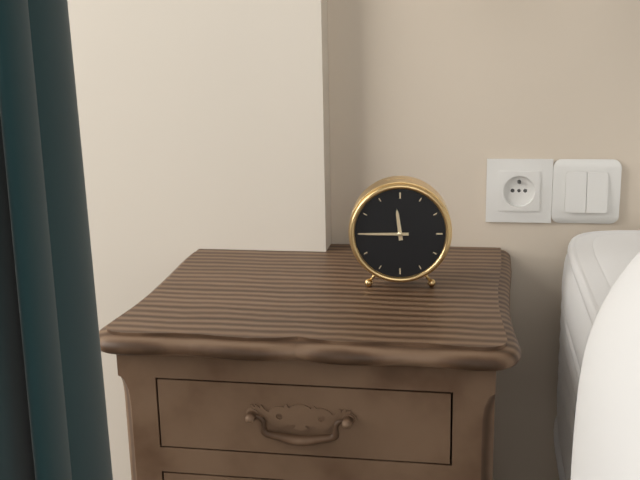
11 h 45 min
